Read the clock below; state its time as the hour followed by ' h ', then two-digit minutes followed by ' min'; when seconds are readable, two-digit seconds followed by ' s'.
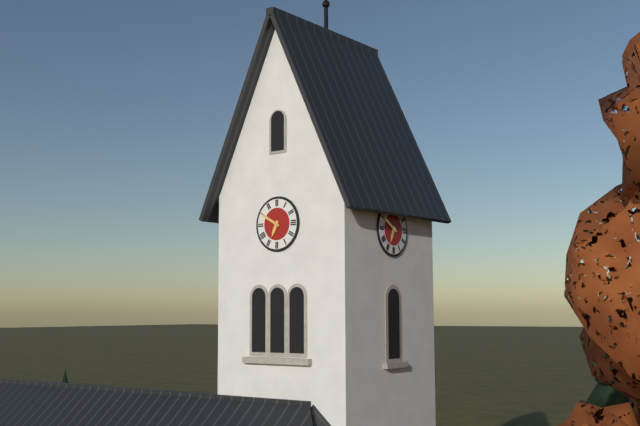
6 h 50 min
